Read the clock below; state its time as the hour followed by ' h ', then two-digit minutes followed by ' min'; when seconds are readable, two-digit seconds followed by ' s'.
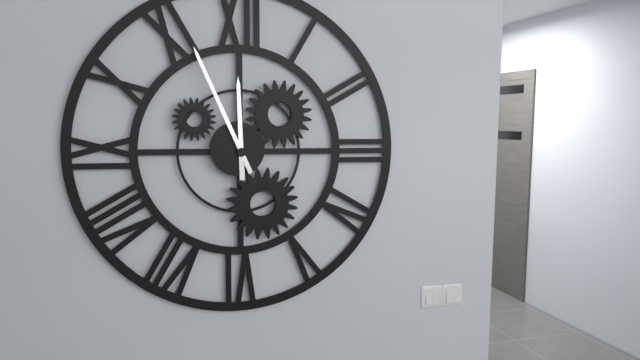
11 h 56 min
